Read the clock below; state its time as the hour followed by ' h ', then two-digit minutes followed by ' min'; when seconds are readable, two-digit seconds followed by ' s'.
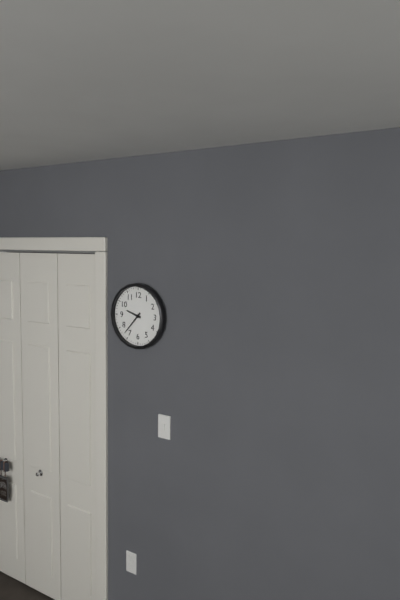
9 h 37 min
